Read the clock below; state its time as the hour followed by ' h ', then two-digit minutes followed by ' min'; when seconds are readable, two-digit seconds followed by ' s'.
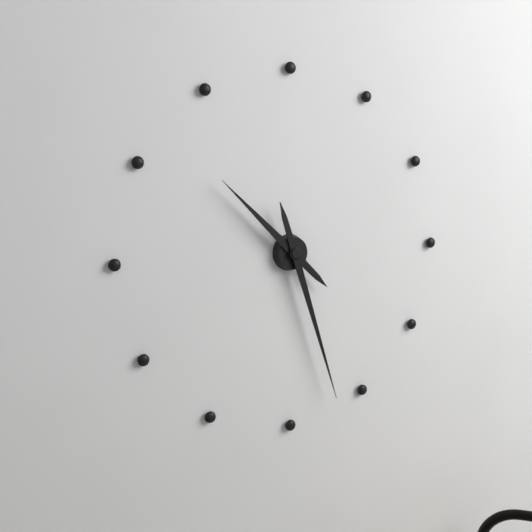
10 h 27 min
